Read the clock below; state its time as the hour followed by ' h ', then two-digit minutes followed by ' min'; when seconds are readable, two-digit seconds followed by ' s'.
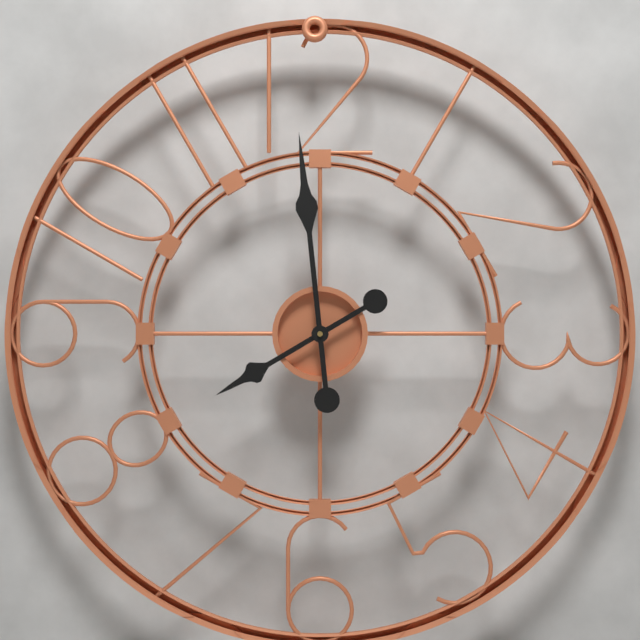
7 h 59 min
